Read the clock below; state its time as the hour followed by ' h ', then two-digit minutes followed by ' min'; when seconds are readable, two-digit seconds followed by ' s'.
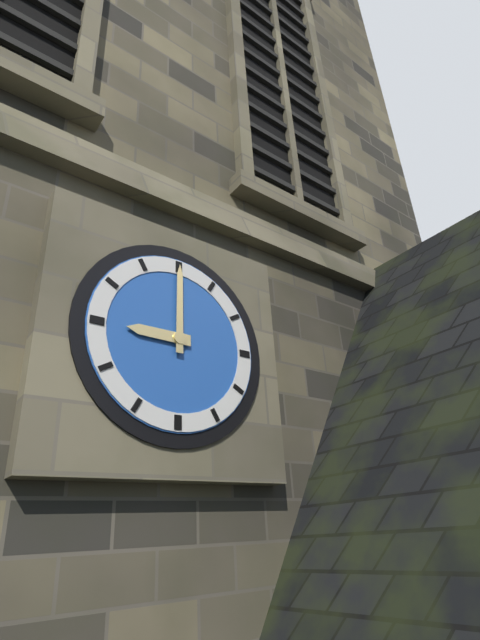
9 h 00 min
